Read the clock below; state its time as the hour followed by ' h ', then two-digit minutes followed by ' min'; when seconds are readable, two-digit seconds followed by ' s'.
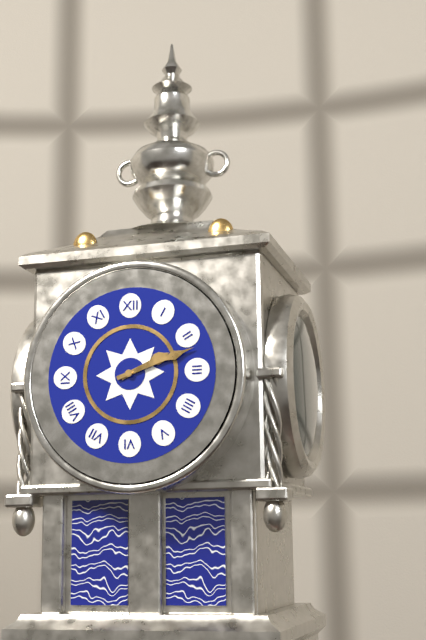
2 h 12 min
